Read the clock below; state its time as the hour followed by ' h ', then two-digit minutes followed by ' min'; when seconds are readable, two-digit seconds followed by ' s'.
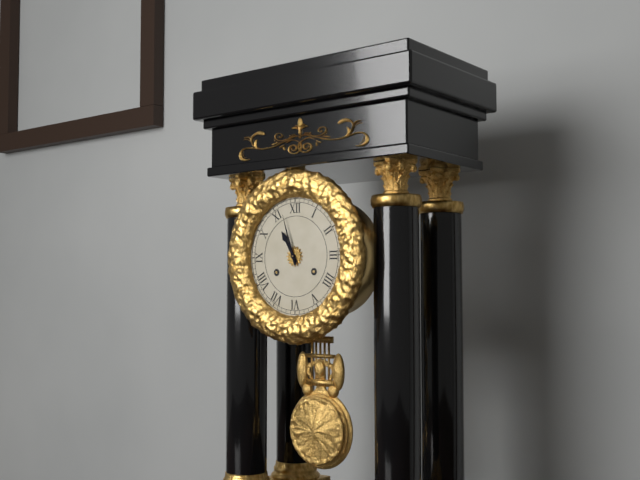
10 h 57 min
